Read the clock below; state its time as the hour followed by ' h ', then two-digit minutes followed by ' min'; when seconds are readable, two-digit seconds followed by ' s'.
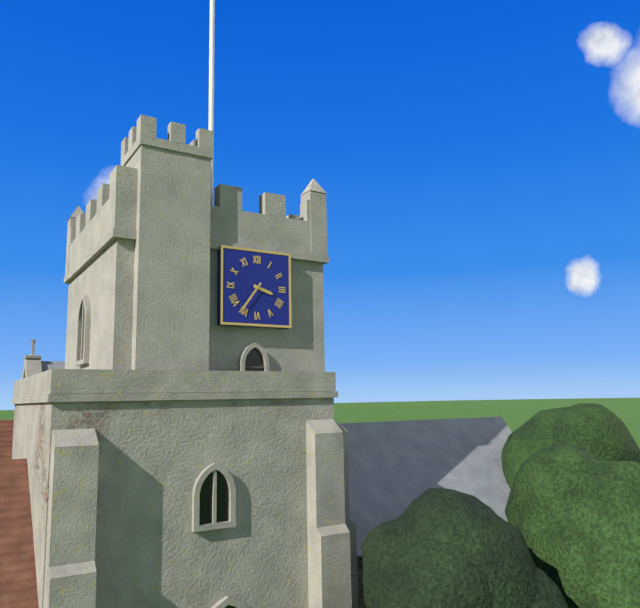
3 h 36 min
